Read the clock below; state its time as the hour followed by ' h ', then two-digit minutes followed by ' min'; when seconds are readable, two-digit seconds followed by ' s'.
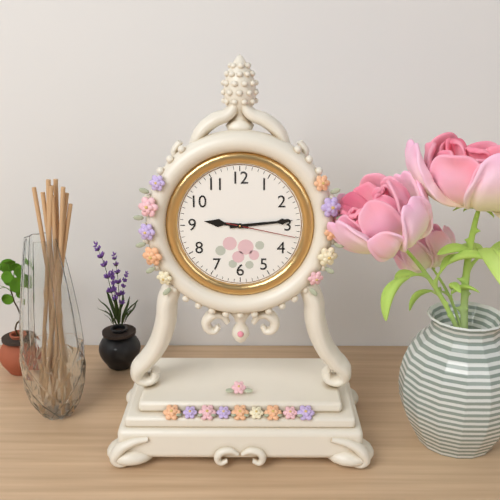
9 h 14 min 17 s
